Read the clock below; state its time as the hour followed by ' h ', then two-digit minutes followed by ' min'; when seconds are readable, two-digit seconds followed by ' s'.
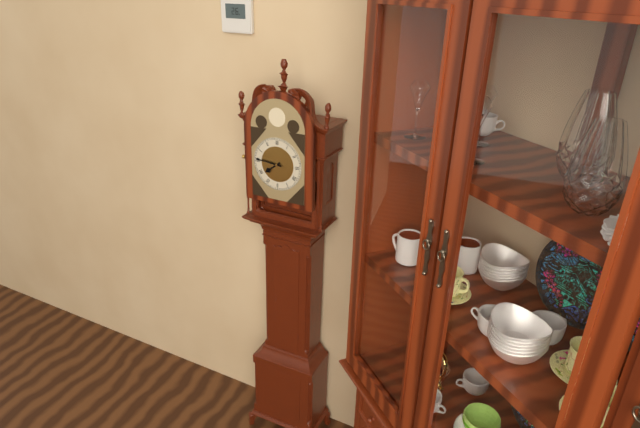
7 h 46 min
